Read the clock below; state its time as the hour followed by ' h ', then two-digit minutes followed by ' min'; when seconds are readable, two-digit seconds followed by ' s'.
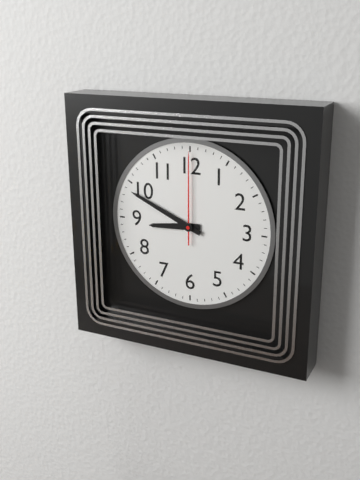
8 h 49 min 00 s
